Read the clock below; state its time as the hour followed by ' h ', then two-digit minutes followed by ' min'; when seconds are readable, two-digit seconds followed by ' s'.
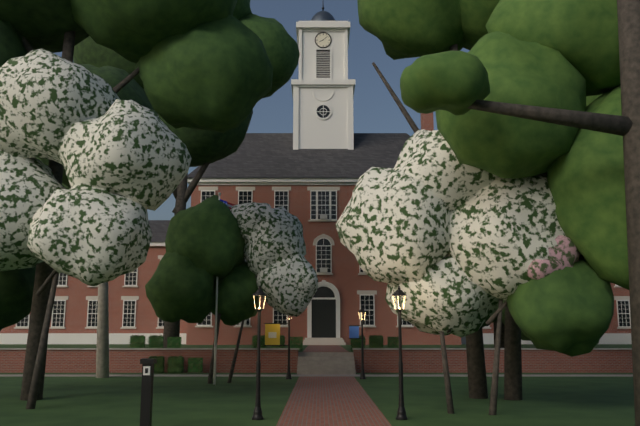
8 h 08 min
